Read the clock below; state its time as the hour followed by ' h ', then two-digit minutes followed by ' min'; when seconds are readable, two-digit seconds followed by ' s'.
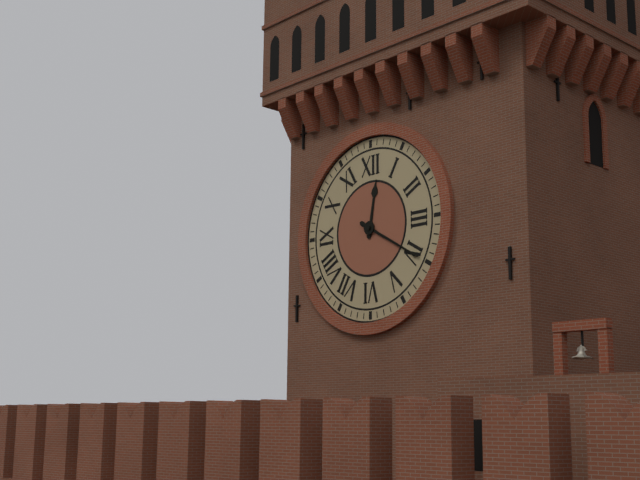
12 h 20 min
